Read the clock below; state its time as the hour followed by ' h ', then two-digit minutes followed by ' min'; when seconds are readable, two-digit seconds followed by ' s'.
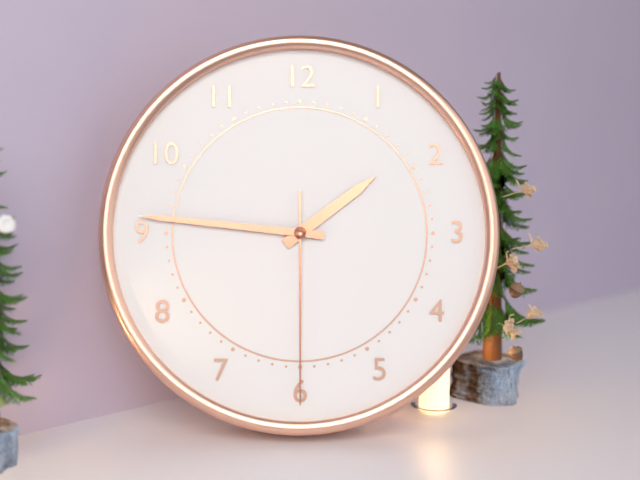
1 h 46 min 30 s
